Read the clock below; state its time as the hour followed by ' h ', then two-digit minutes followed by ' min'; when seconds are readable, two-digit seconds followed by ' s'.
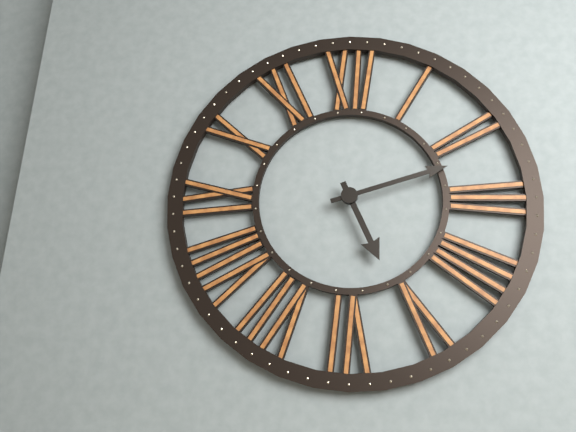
5 h 12 min
